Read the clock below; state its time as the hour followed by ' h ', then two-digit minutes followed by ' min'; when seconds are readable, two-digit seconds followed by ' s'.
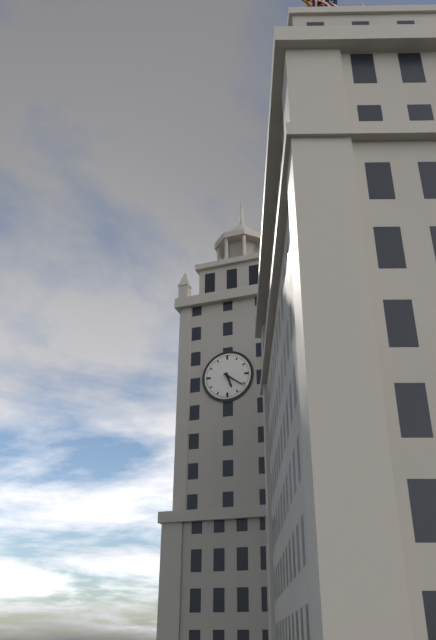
5 h 21 min
